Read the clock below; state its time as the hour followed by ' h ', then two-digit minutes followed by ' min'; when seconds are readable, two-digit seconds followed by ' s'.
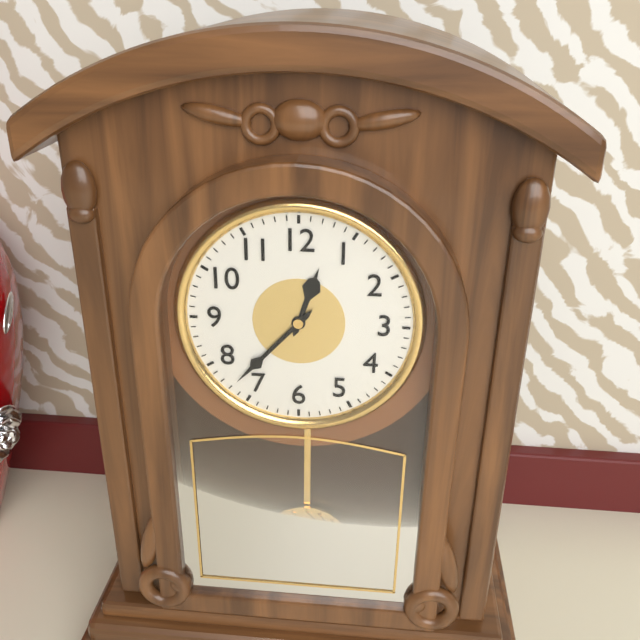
12 h 37 min
